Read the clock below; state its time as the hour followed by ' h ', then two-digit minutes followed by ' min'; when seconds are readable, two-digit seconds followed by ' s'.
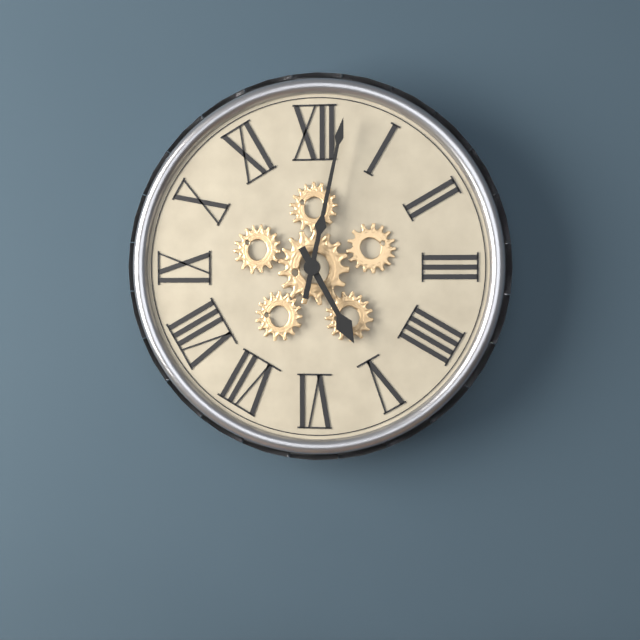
5 h 02 min
